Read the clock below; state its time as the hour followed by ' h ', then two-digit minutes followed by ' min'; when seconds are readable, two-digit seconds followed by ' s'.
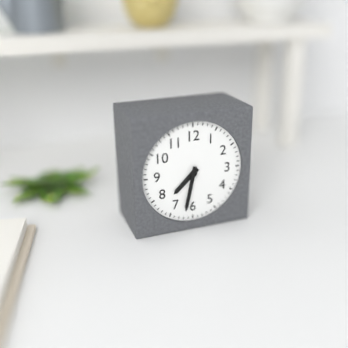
7 h 32 min
